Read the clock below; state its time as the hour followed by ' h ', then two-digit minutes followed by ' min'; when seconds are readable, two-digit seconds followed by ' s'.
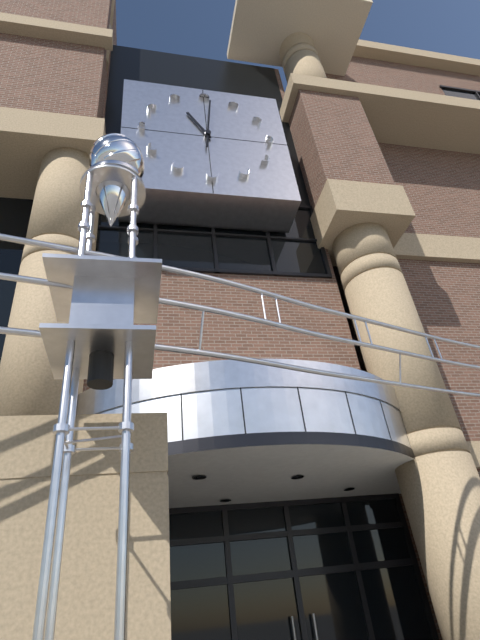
11 h 01 min
